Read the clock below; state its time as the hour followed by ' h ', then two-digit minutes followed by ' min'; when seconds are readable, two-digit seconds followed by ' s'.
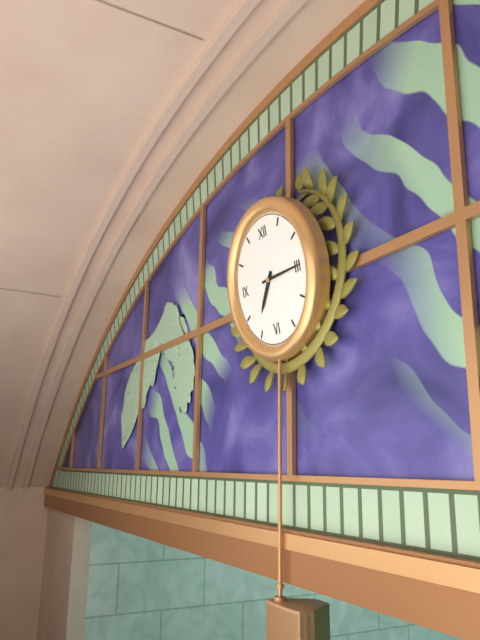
7 h 15 min
